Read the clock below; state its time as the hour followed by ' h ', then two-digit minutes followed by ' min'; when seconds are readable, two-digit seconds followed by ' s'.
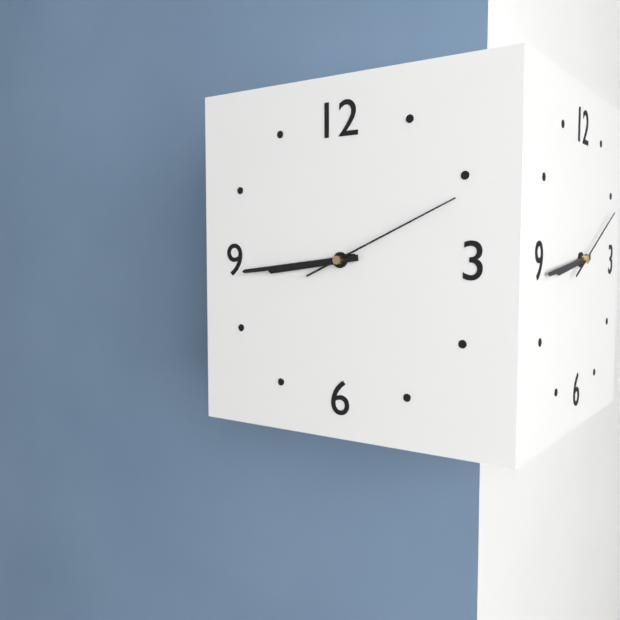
8 h 44 min 11 s
